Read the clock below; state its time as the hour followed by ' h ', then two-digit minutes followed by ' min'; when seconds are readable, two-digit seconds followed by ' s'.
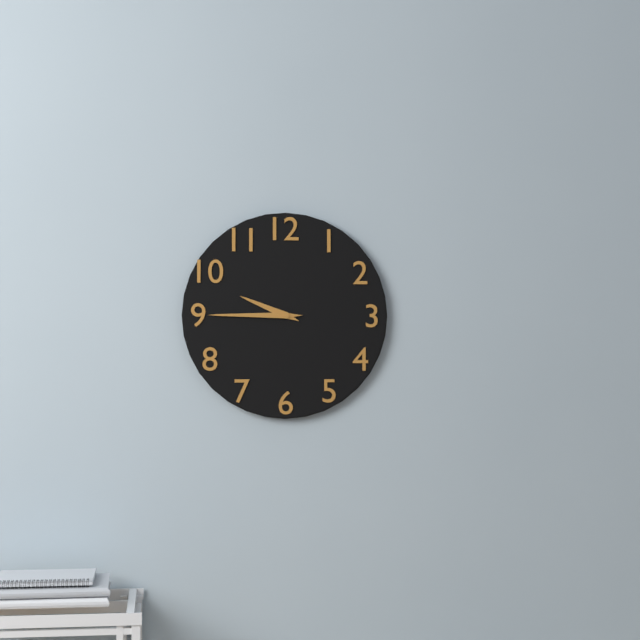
9 h 45 min
